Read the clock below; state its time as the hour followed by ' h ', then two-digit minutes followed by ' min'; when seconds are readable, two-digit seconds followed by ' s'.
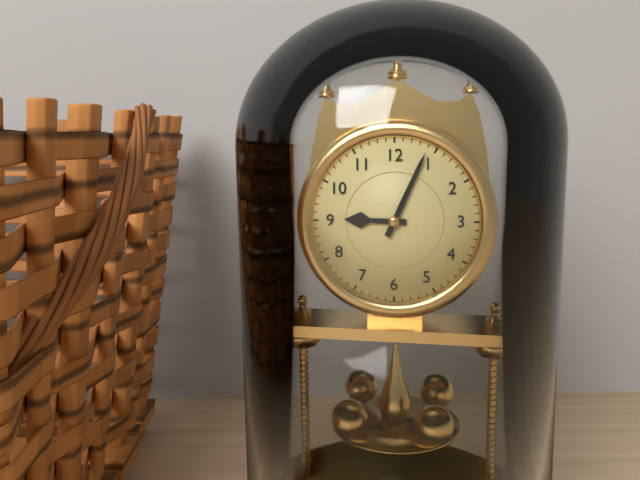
9 h 04 min
